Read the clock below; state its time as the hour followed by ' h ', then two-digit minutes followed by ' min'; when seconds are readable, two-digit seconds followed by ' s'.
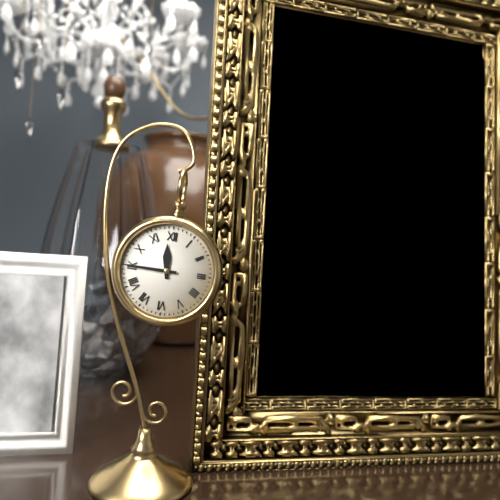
11 h 45 min
